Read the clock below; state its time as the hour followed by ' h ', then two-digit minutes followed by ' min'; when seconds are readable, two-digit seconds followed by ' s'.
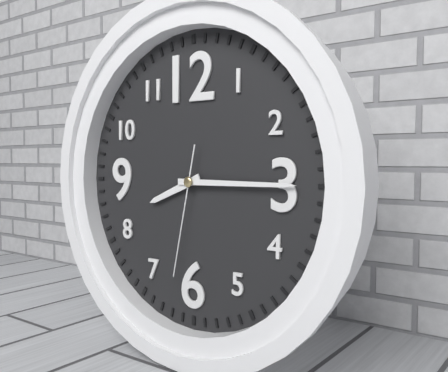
8 h 15 min 32 s
